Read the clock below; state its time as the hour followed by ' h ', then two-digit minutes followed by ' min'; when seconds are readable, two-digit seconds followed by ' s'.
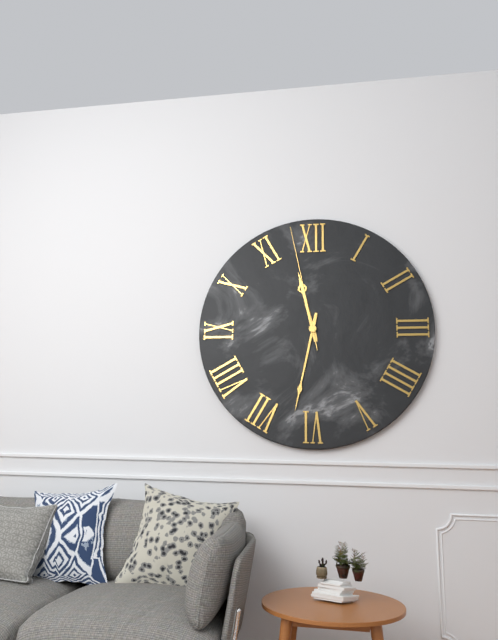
11 h 32 min 58 s
